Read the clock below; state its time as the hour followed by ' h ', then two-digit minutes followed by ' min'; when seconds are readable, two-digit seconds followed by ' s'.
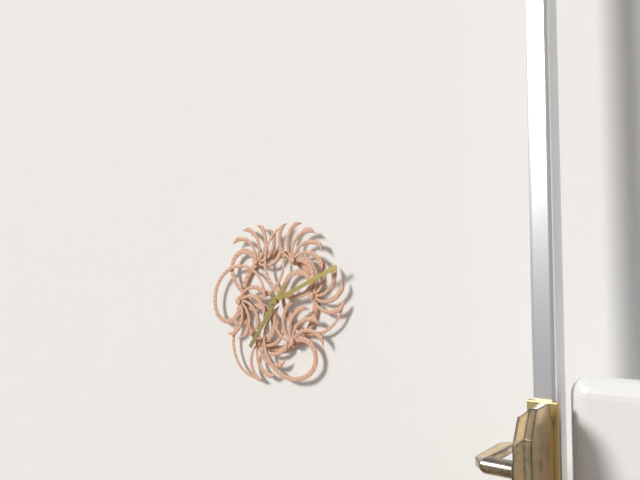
7 h 11 min
